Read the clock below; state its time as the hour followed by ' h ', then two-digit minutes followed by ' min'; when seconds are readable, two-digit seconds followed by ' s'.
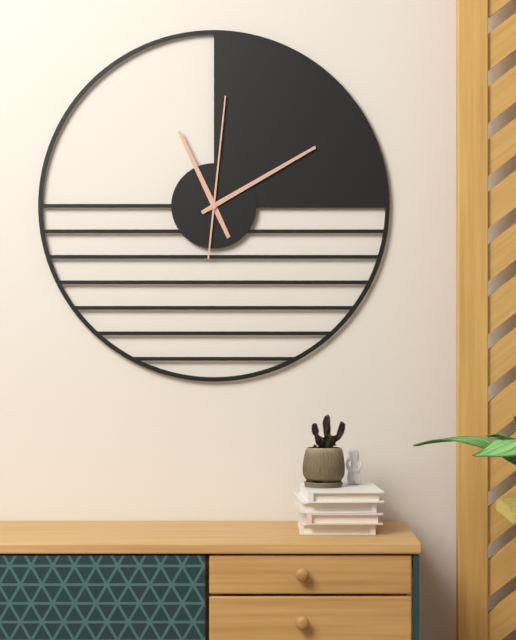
11 h 10 min 01 s
